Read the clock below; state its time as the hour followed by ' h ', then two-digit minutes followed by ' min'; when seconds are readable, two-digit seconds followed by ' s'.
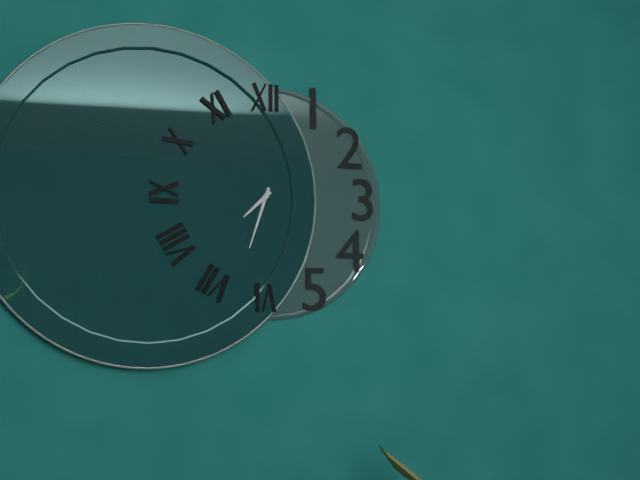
7 h 33 min
